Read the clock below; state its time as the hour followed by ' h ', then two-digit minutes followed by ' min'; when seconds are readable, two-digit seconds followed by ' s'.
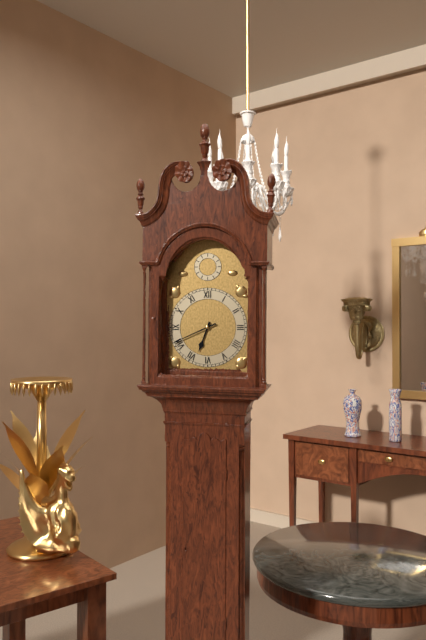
6 h 41 min
